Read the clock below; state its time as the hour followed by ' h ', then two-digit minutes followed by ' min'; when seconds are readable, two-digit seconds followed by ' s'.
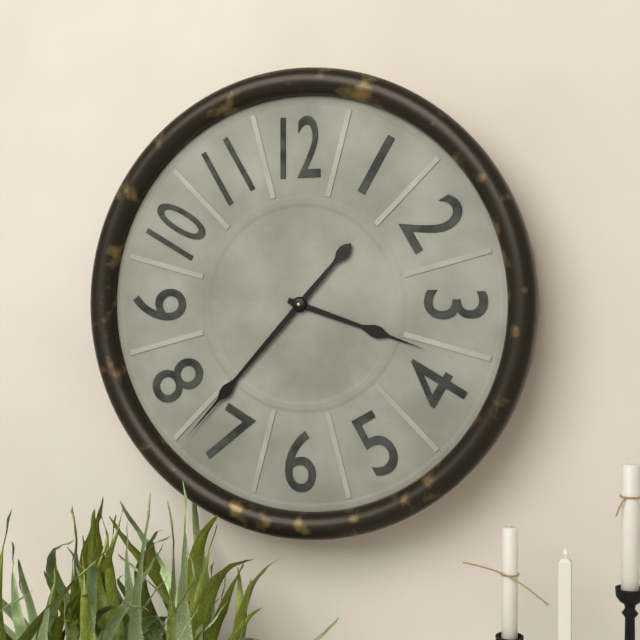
3 h 37 min
